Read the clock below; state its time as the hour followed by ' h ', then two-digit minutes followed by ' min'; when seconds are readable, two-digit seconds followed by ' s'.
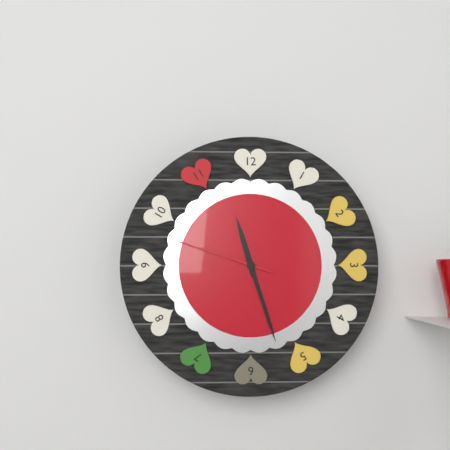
11 h 27 min 48 s
